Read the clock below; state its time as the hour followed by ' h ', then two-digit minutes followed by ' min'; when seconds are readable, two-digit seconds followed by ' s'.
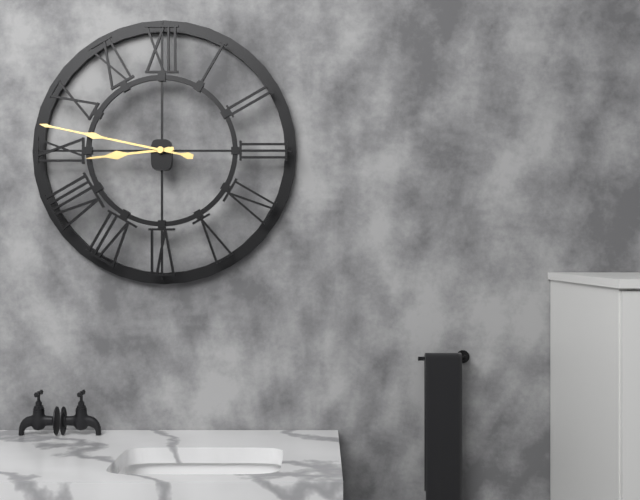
8 h 47 min
